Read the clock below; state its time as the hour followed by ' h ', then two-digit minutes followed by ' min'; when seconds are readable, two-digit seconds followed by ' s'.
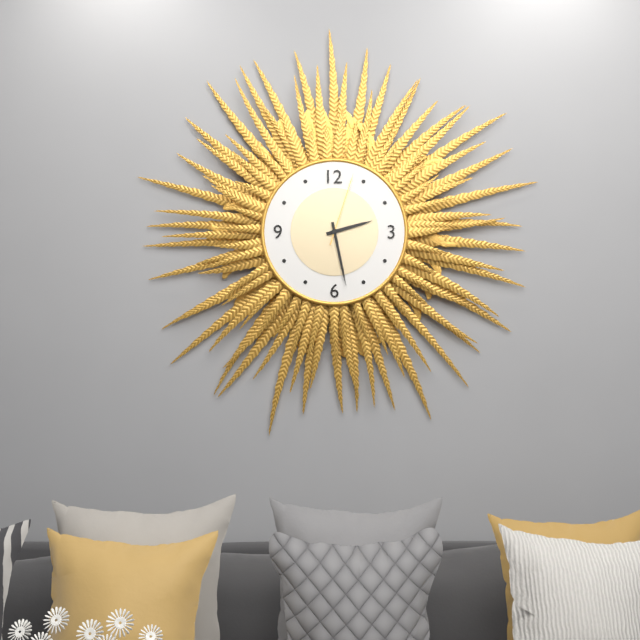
2 h 28 min 03 s
